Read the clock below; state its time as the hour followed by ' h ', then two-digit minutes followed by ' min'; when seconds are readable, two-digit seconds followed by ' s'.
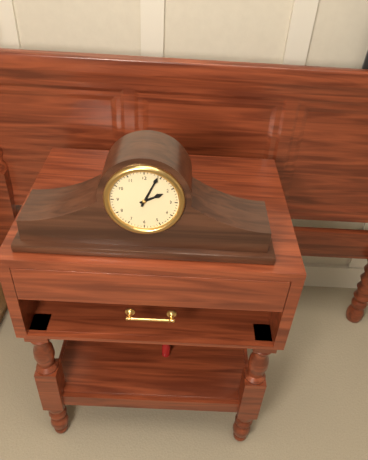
2 h 04 min
